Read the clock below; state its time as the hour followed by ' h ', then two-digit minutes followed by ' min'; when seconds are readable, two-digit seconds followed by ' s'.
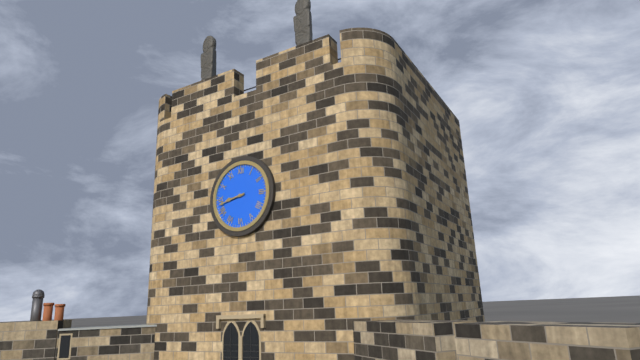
8 h 43 min
